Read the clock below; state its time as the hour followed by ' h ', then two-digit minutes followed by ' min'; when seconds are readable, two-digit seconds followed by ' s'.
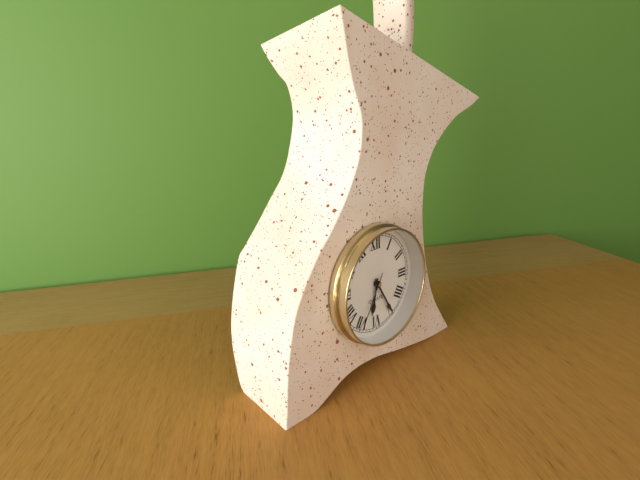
6 h 25 min 35 s
